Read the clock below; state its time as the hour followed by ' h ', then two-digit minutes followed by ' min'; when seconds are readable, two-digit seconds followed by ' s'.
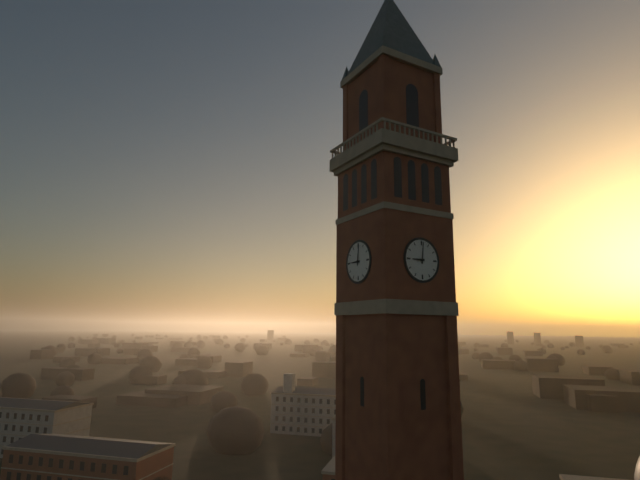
9 h 01 min
